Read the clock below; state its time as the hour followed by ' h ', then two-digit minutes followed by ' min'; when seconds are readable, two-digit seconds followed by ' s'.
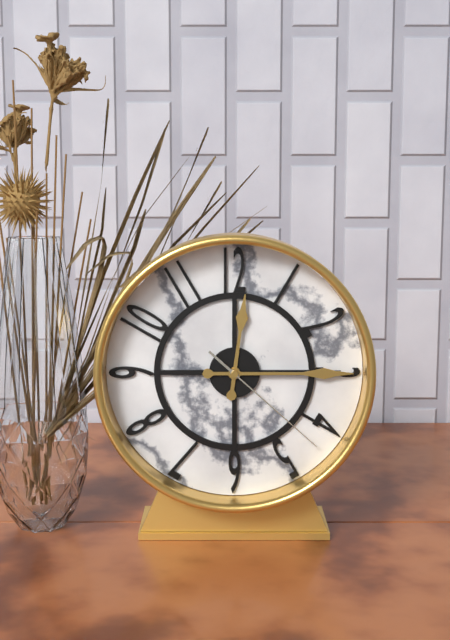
12 h 15 min 22 s
